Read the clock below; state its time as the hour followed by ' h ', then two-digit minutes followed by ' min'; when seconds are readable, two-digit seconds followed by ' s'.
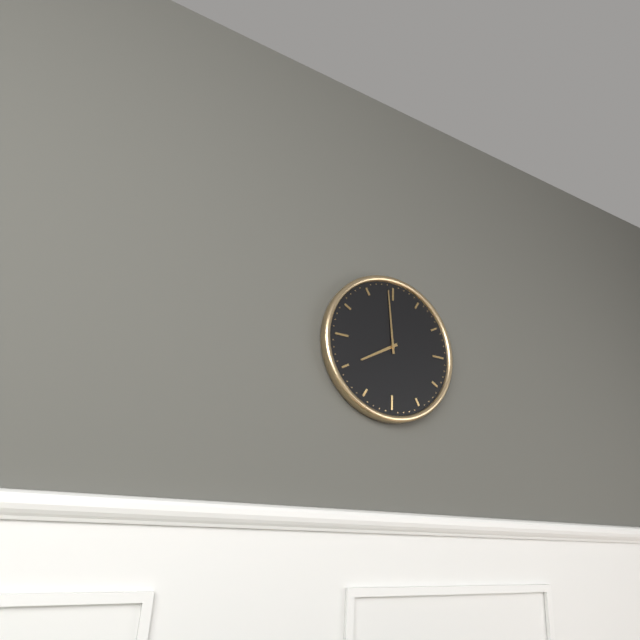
7 h 59 min
